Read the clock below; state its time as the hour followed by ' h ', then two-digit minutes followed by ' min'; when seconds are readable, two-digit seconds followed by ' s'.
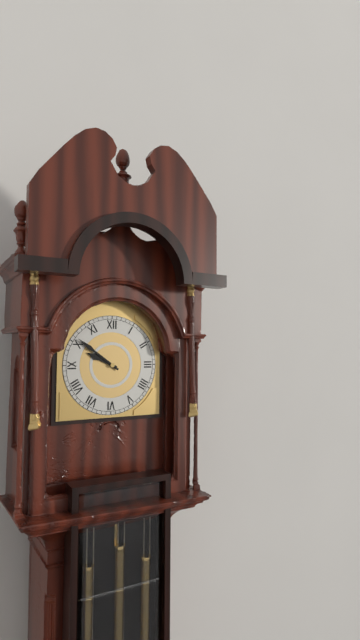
9 h 51 min
